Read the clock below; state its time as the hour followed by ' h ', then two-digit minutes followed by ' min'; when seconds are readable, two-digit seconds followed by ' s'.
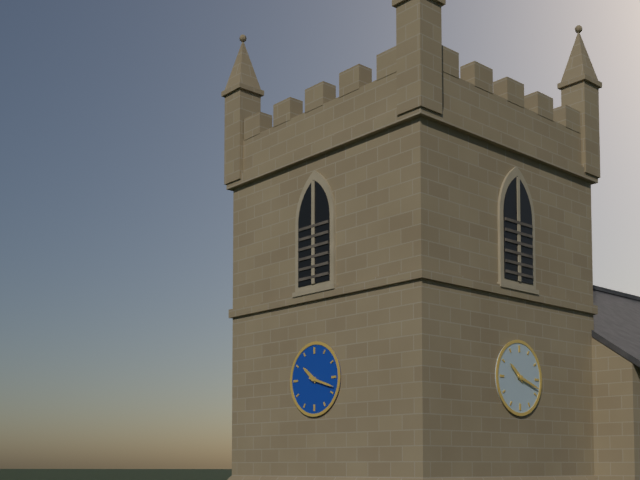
10 h 18 min
